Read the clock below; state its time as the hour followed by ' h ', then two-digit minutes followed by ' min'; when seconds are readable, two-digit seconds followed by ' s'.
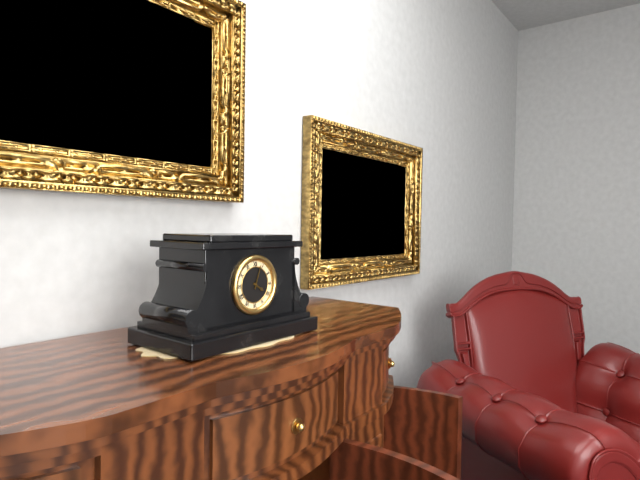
4 h 03 min
